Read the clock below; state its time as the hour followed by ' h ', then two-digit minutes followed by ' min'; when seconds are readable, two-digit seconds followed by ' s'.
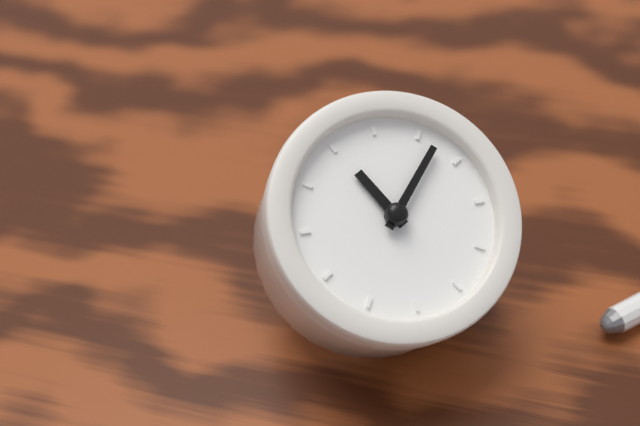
10 h 02 min
